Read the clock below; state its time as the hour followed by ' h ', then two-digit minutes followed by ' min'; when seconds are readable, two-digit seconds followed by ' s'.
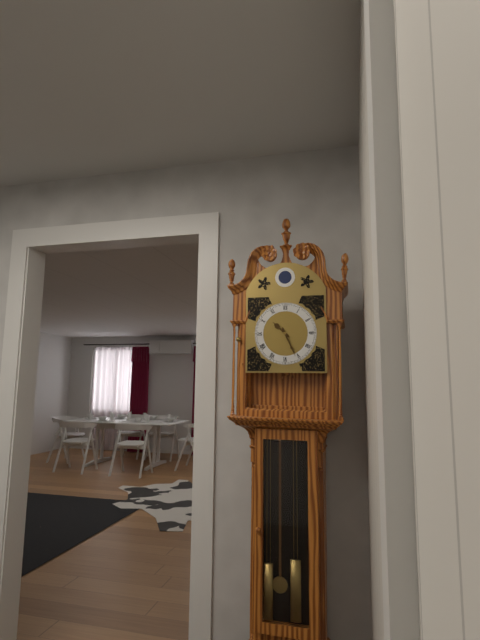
10 h 26 min
